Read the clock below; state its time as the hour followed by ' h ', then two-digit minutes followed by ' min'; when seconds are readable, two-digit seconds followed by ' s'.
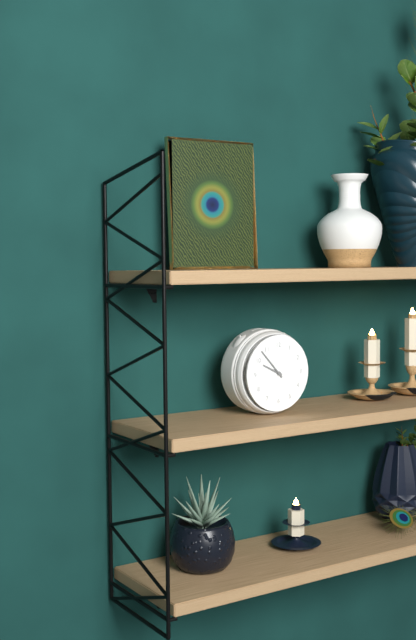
9 h 53 min
